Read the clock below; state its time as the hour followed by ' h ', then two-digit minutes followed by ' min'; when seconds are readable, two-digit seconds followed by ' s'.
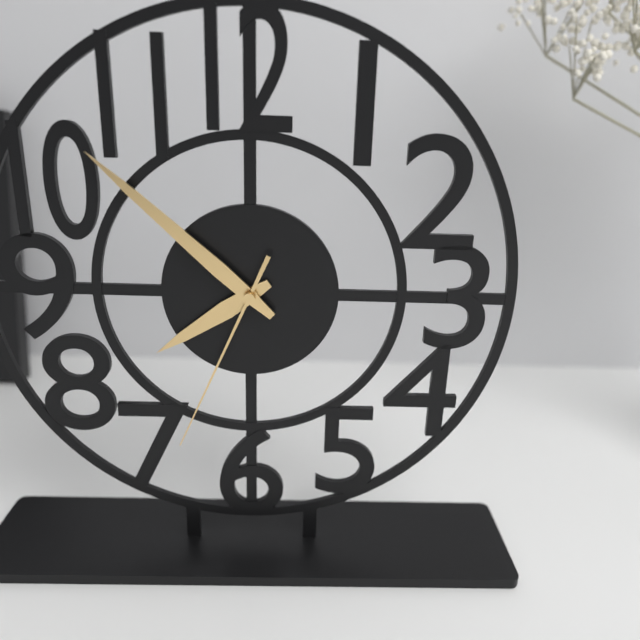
7 h 52 min 34 s
